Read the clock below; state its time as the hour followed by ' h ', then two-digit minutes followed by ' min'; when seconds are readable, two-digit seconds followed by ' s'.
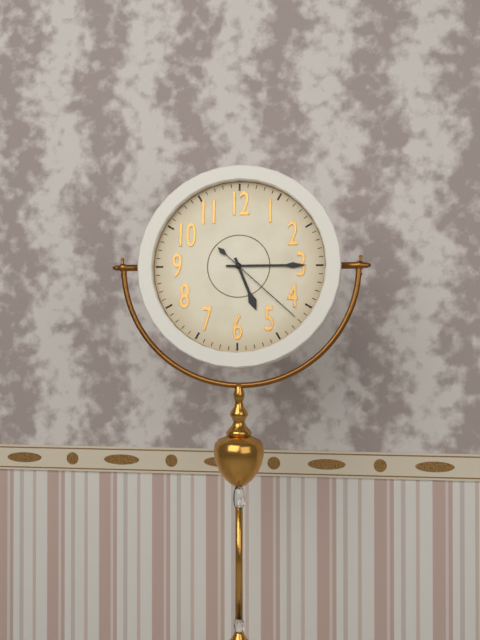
5 h 15 min 22 s
